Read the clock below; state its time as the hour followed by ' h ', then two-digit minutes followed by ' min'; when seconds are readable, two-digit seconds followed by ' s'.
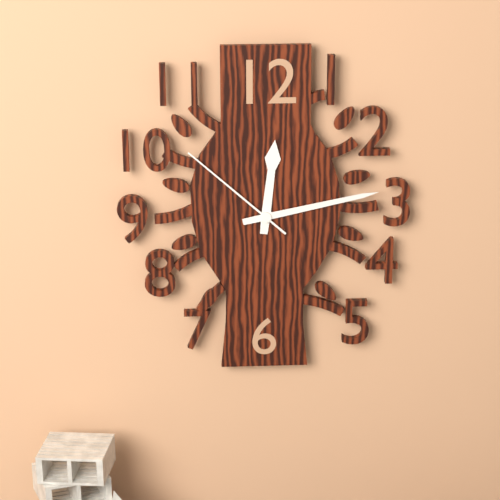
12 h 13 min 52 s
